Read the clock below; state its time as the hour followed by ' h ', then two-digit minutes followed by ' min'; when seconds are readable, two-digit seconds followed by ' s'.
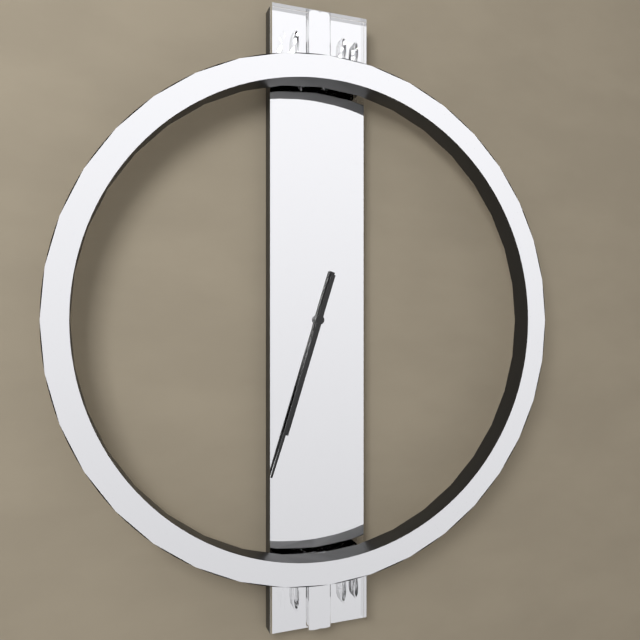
6 h 33 min
